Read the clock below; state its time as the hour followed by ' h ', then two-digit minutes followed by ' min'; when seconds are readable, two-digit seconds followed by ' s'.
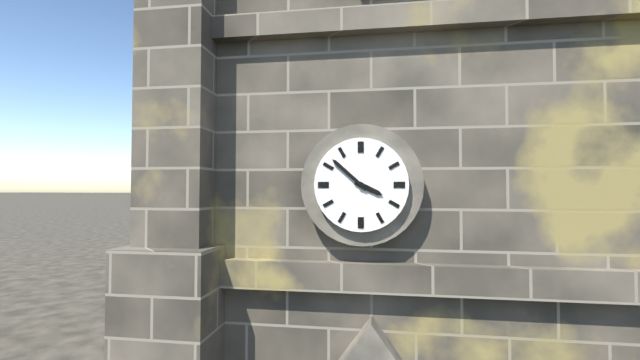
3 h 52 min
